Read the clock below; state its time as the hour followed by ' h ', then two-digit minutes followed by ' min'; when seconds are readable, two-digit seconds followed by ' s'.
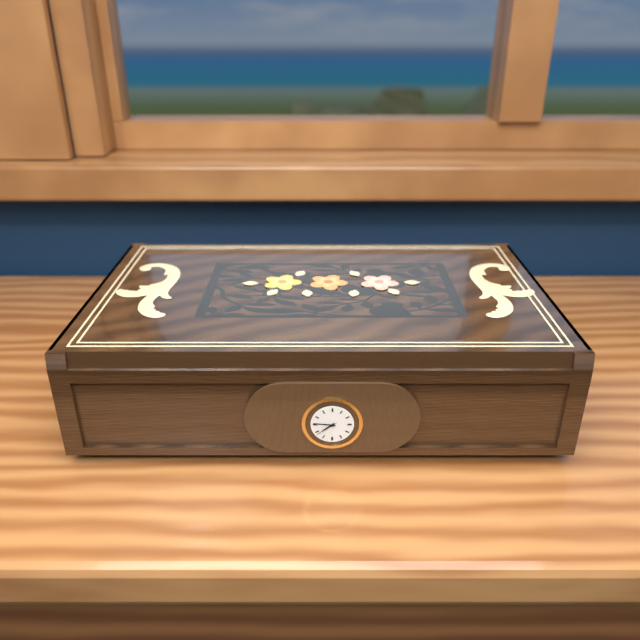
7 h 46 min 39 s
